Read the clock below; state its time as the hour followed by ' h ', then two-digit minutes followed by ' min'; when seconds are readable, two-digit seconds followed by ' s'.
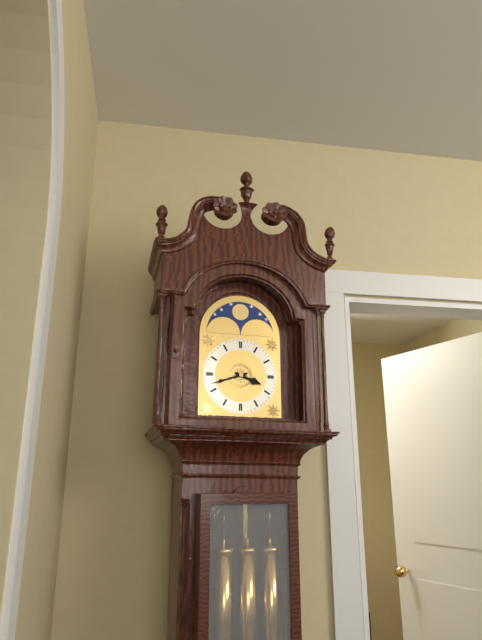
3 h 42 min
